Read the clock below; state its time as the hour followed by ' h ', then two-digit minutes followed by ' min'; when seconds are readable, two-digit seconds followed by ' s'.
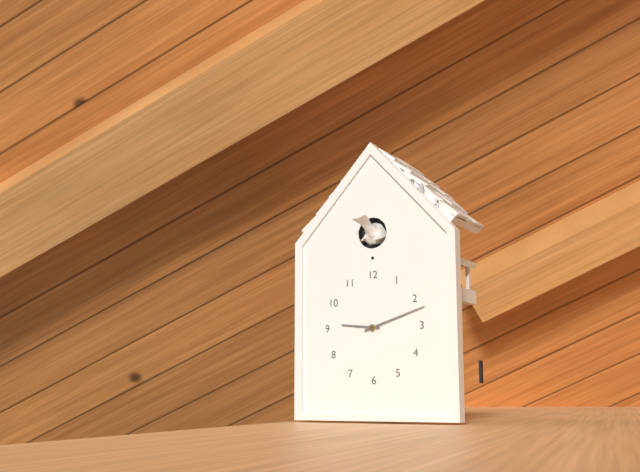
9 h 12 min
